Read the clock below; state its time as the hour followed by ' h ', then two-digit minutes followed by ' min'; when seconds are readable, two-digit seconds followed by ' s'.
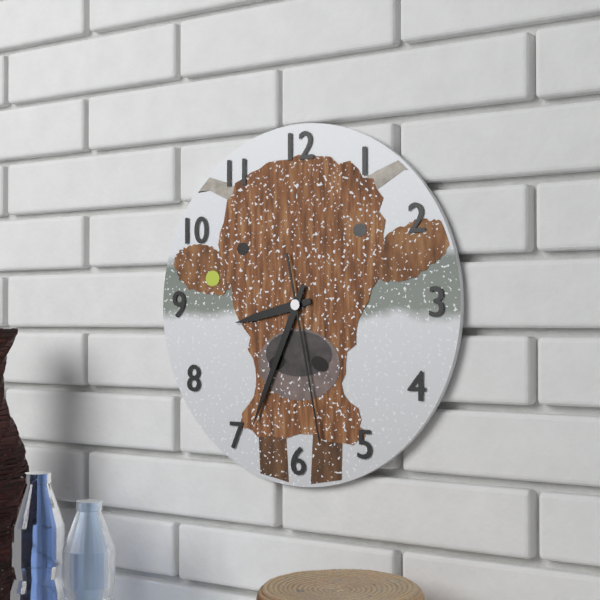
8 h 34 min 28 s
